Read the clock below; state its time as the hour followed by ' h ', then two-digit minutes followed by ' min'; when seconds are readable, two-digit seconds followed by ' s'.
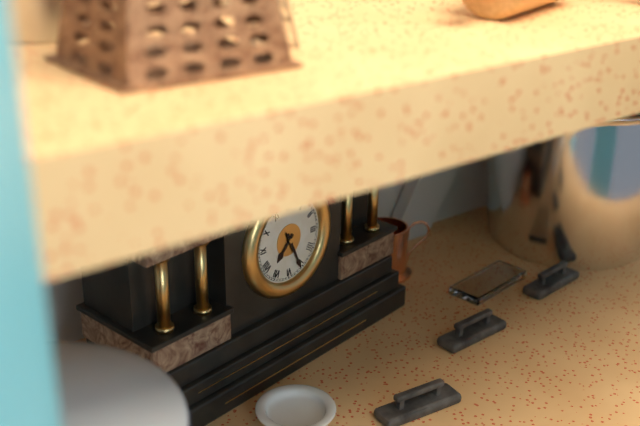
7 h 26 min
